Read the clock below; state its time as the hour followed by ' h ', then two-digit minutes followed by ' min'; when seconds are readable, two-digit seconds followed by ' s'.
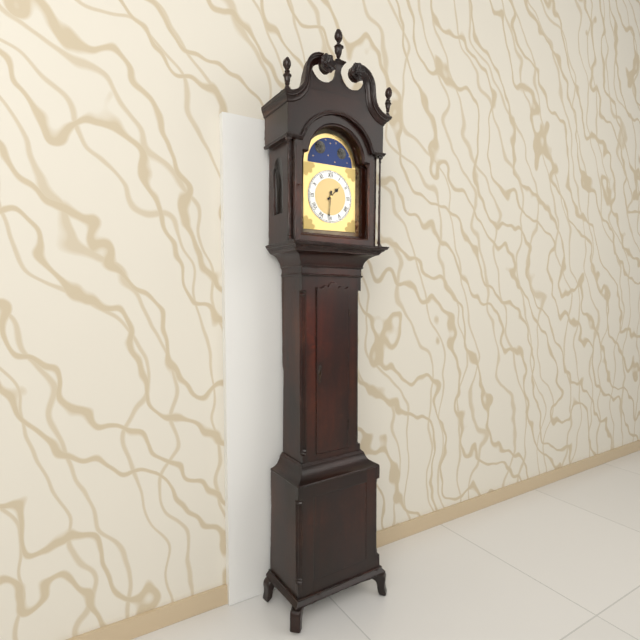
1 h 31 min
